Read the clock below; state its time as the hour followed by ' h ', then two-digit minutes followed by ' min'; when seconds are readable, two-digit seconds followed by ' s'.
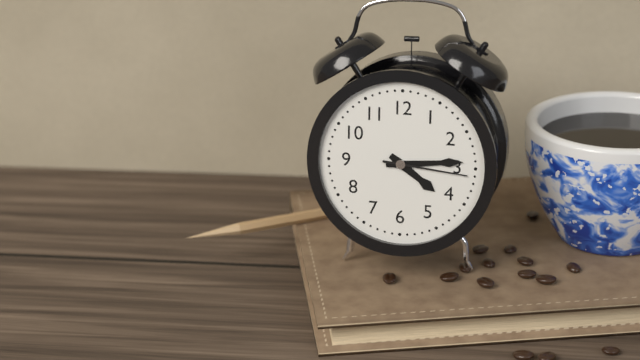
4 h 14 min 16 s
